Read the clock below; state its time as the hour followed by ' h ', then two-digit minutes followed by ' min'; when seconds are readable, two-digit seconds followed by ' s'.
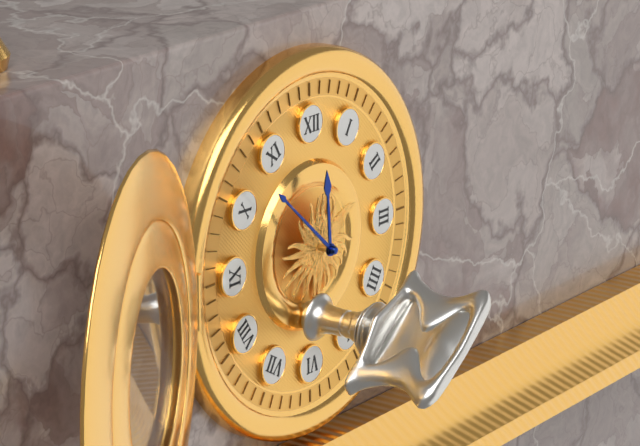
11 h 52 min
